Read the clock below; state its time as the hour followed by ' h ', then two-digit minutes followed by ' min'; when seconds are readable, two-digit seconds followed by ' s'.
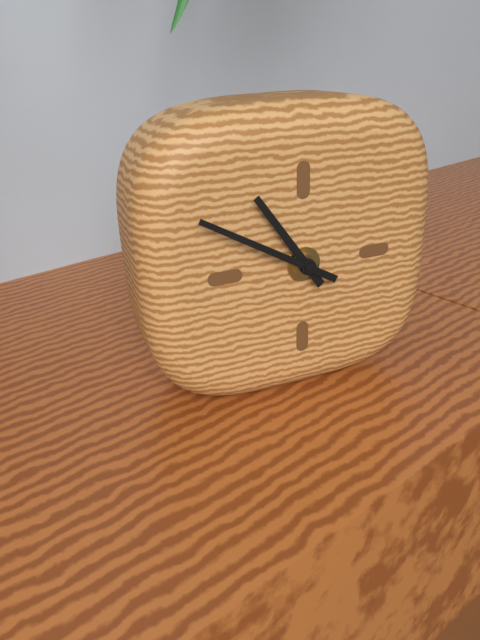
10 h 50 min
